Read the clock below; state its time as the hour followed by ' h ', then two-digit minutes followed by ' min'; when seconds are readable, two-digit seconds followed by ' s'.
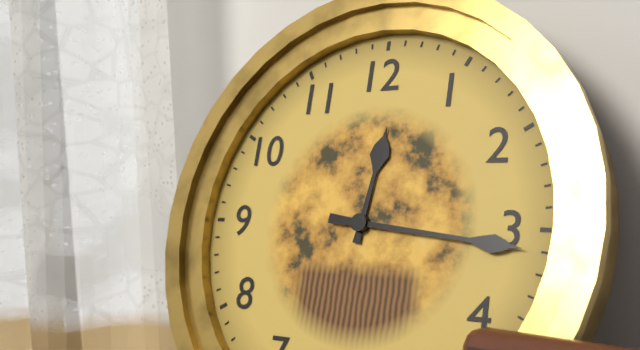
12 h 16 min
